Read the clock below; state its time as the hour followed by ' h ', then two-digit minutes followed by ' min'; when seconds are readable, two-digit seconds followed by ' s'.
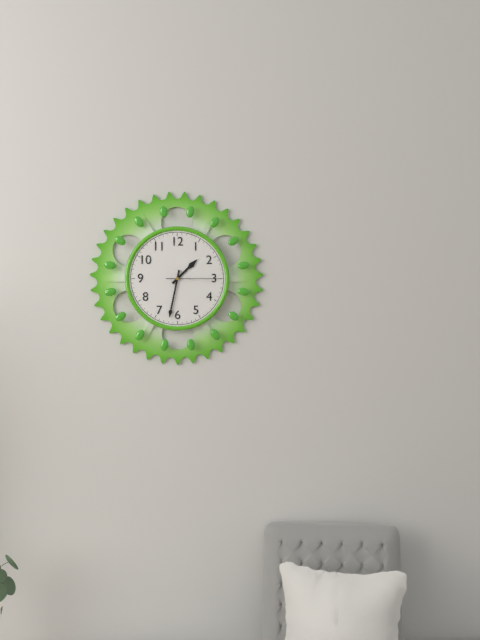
1 h 32 min 15 s
